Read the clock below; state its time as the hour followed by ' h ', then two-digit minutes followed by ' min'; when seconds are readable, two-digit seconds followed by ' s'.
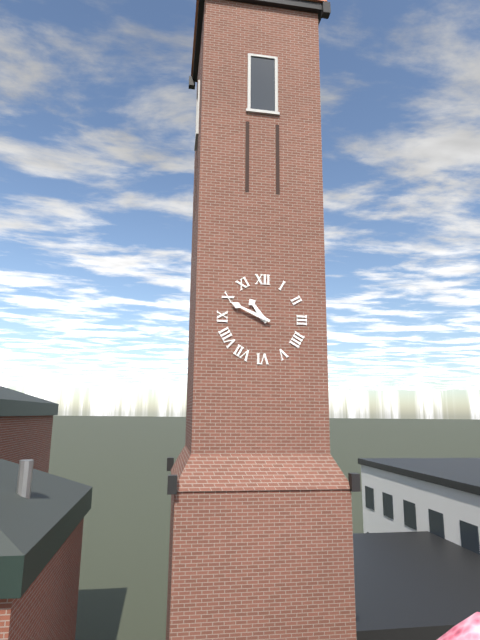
10 h 49 min
